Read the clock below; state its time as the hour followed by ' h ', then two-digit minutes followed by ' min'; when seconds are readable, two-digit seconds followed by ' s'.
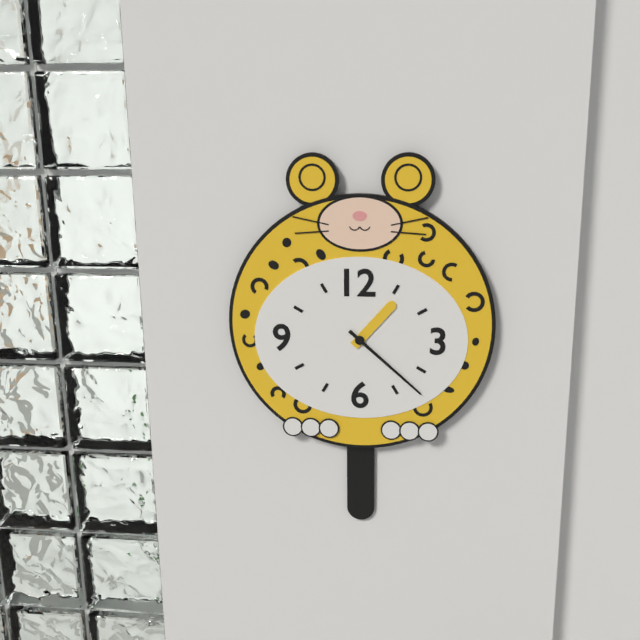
1 h 22 min
